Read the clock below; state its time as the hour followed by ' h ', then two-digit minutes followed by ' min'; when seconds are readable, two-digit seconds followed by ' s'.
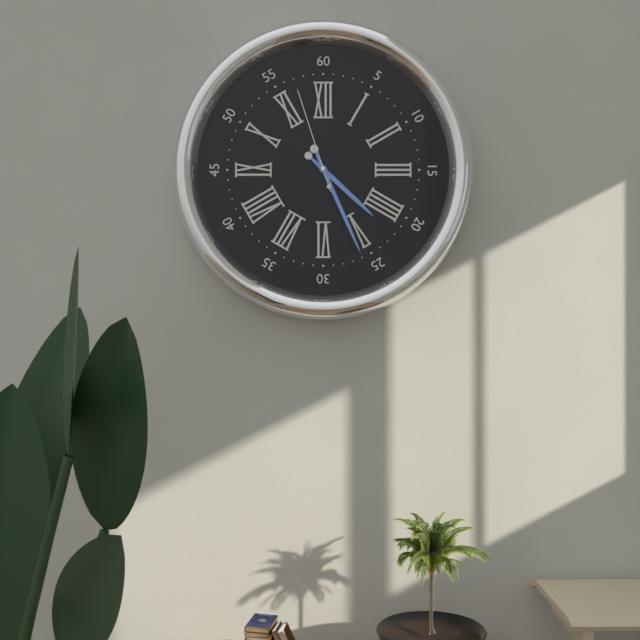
4 h 26 min 57 s
